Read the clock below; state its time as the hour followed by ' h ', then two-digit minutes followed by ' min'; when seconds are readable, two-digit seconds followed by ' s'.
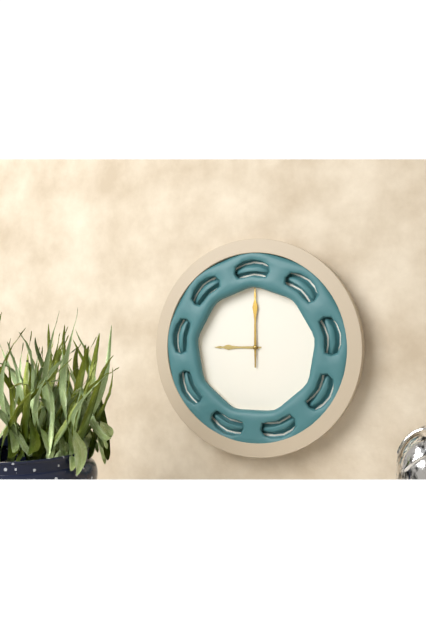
9 h 00 min
